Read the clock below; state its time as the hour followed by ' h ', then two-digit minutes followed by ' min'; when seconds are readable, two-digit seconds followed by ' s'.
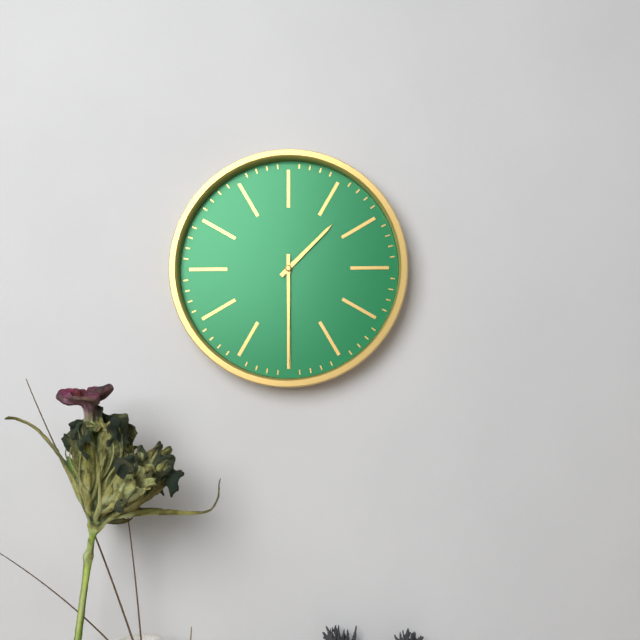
1 h 30 min
